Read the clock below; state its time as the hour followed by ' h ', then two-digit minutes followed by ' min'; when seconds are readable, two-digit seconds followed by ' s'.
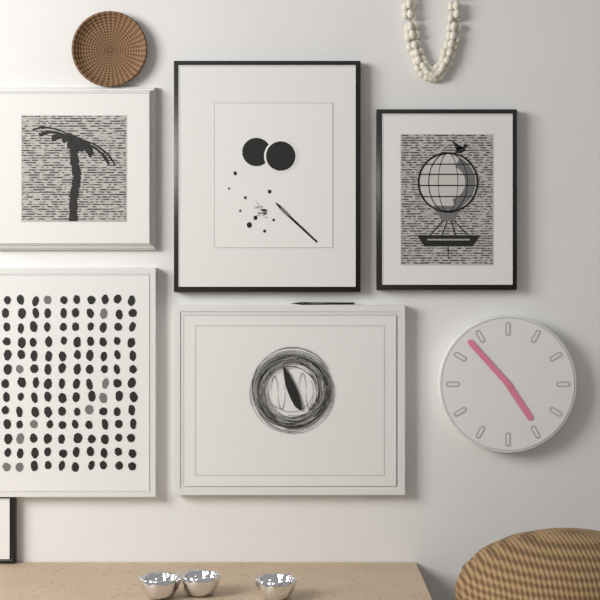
4 h 53 min
